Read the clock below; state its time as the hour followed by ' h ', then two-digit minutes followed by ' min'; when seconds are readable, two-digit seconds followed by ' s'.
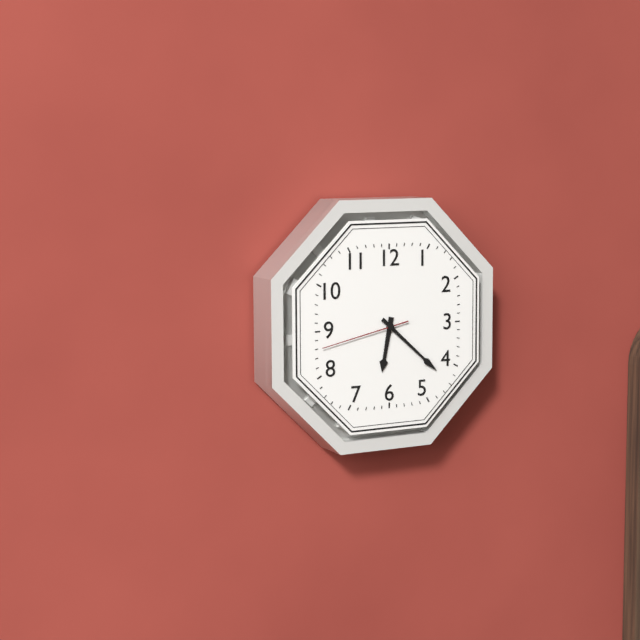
6 h 22 min 43 s
